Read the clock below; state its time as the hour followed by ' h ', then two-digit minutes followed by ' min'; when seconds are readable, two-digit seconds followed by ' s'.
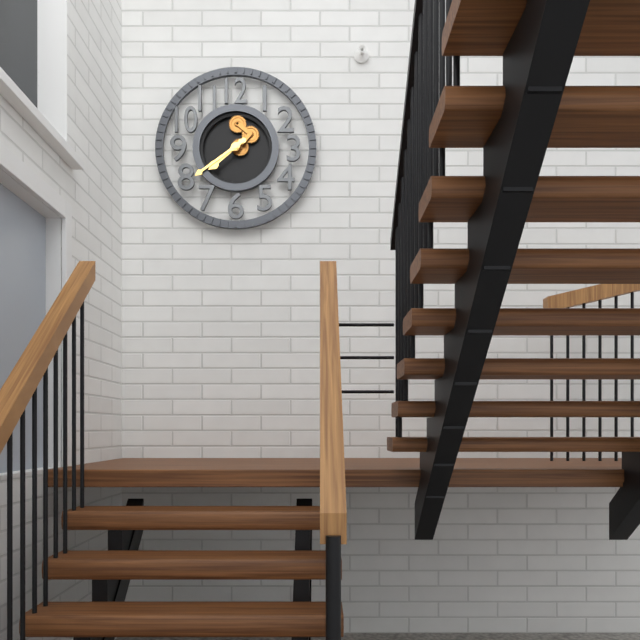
7 h 39 min
